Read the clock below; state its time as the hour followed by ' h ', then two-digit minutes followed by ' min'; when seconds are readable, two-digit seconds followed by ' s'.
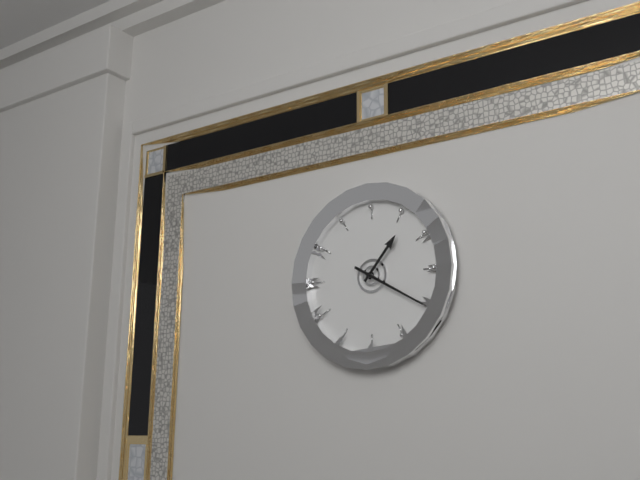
1 h 20 min
